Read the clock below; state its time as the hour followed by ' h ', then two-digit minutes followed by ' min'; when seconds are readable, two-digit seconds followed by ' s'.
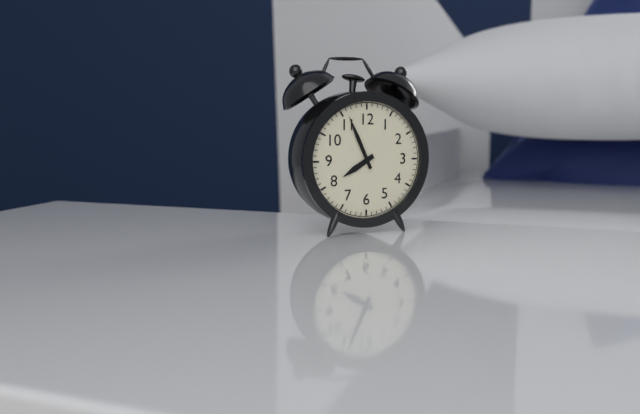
7 h 56 min
